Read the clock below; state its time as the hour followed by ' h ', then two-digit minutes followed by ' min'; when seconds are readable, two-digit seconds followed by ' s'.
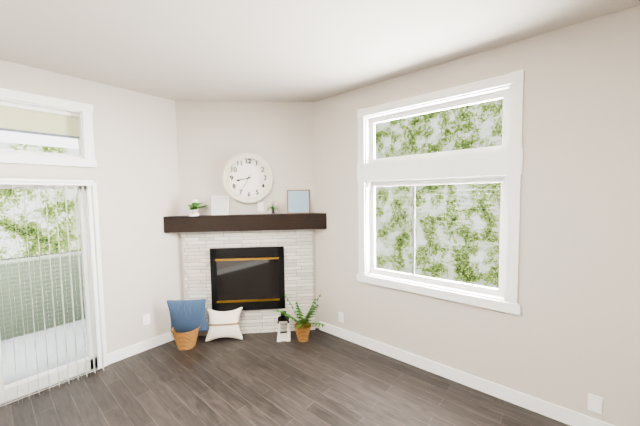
8 h 35 min
